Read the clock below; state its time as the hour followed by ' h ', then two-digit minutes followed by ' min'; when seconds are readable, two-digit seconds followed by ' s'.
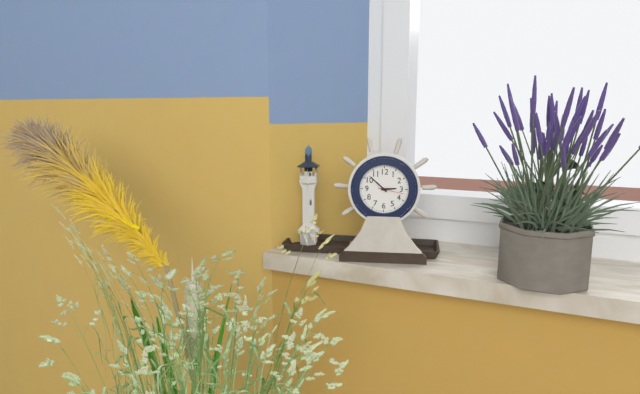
2 h 52 min
